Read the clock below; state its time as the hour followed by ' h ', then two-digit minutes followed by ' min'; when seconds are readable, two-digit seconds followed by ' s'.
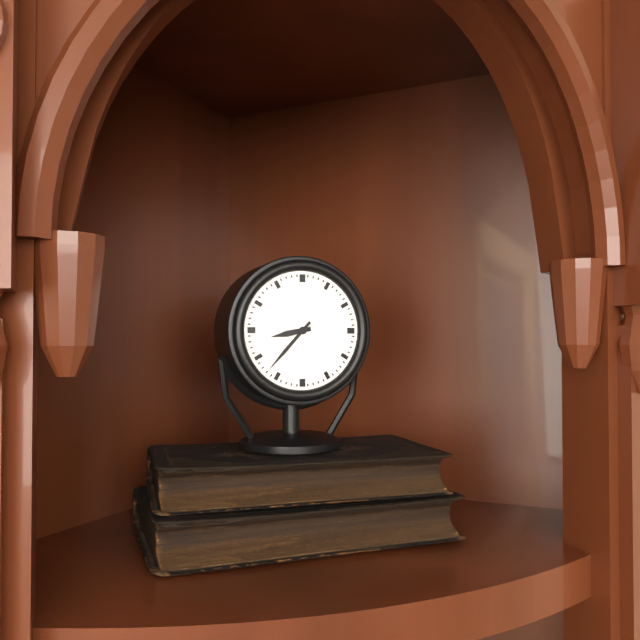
8 h 37 min
